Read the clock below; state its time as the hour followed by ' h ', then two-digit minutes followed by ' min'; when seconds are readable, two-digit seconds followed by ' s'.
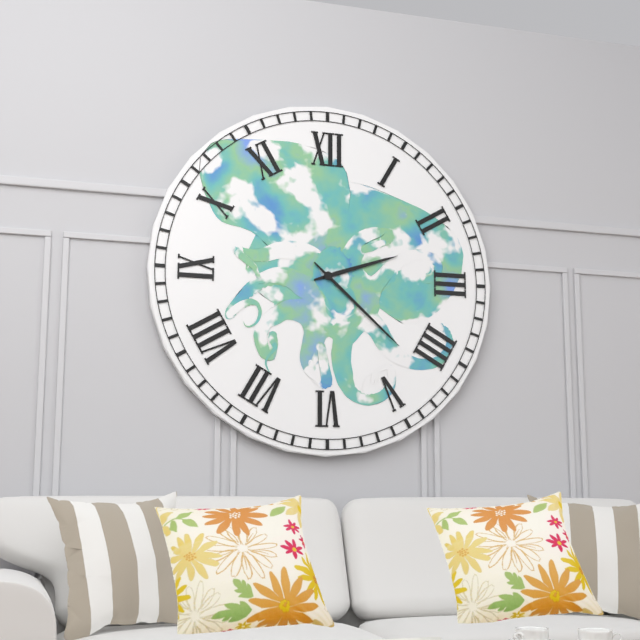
2 h 22 min
